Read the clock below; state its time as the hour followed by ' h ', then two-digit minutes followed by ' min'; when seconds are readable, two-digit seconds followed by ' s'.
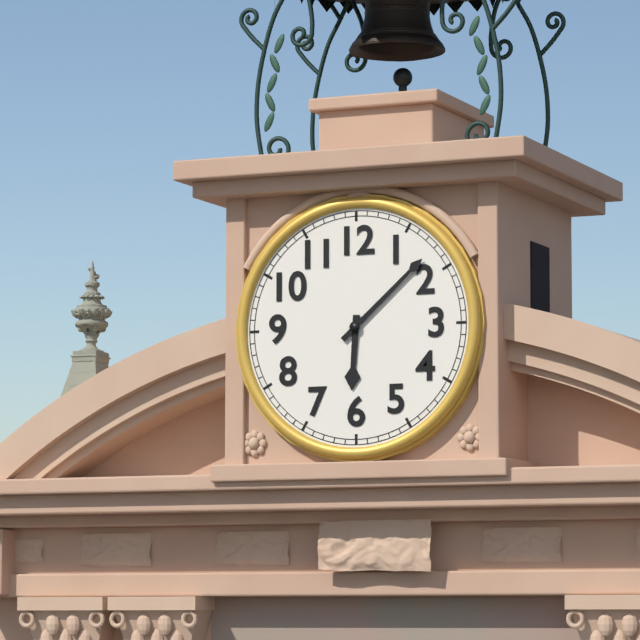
6 h 08 min
